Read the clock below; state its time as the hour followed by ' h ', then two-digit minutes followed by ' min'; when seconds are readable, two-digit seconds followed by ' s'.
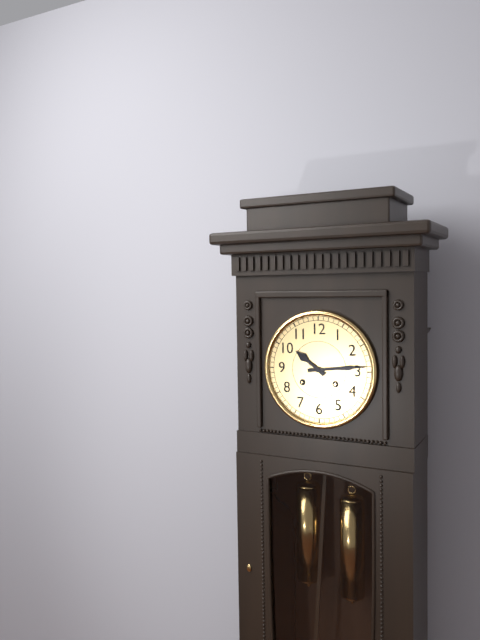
10 h 14 min
